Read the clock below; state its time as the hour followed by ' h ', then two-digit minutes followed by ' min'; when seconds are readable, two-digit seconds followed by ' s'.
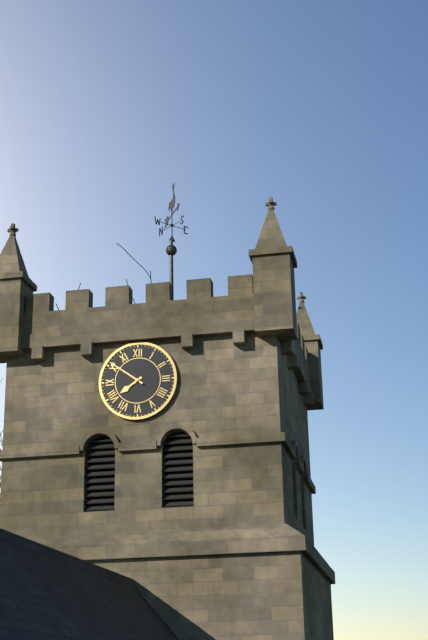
7 h 51 min
